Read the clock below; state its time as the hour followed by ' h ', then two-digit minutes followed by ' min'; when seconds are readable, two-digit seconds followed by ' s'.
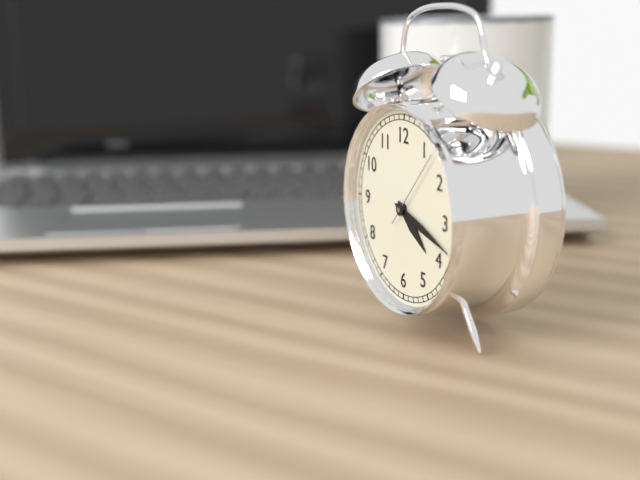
4 h 18 min 07 s
